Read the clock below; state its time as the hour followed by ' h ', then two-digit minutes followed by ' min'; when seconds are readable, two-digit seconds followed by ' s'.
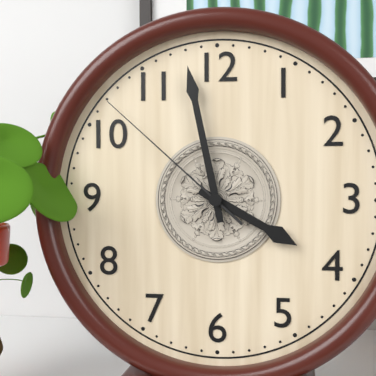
3 h 58 min 52 s
